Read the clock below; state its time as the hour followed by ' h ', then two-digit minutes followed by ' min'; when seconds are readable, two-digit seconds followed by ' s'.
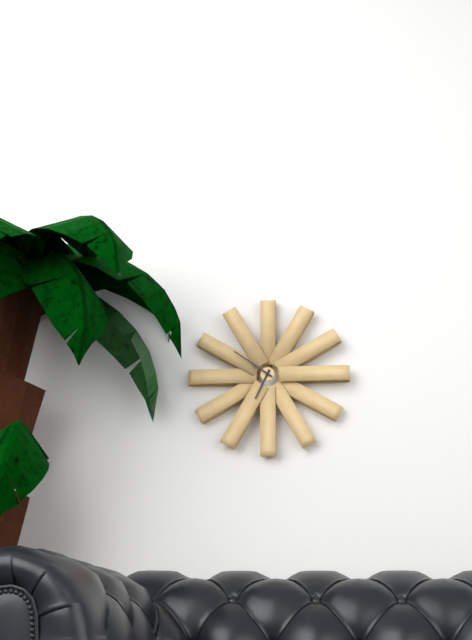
6 h 51 min
